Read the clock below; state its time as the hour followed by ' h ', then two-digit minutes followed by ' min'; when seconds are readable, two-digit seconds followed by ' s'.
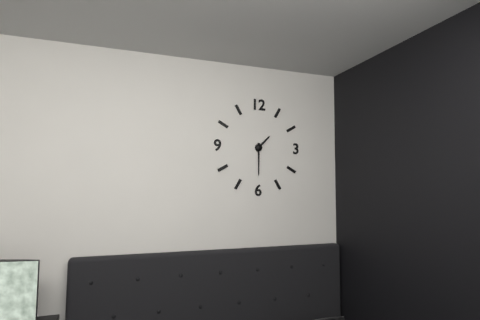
1 h 30 min
